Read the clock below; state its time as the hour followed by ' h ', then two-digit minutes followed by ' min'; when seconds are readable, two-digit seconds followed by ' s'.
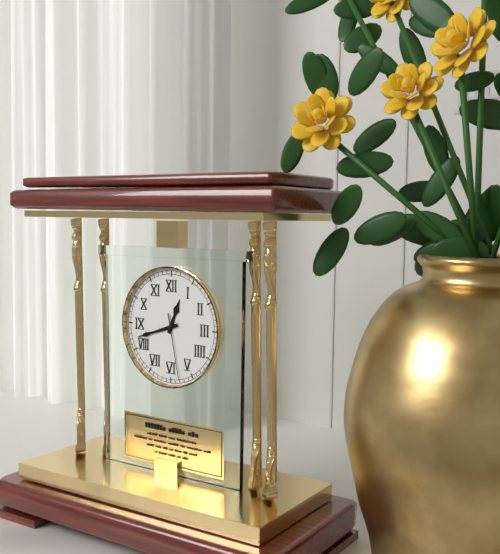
12 h 42 min 28 s
